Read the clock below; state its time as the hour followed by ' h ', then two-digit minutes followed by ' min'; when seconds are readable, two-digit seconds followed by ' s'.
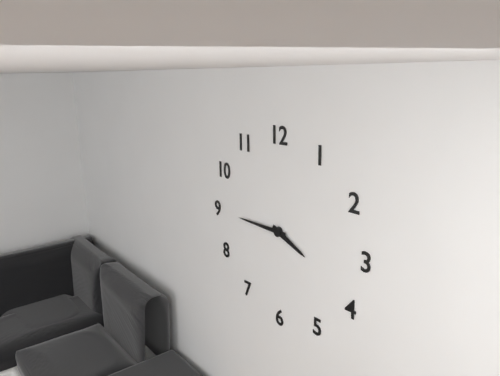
3 h 45 min
